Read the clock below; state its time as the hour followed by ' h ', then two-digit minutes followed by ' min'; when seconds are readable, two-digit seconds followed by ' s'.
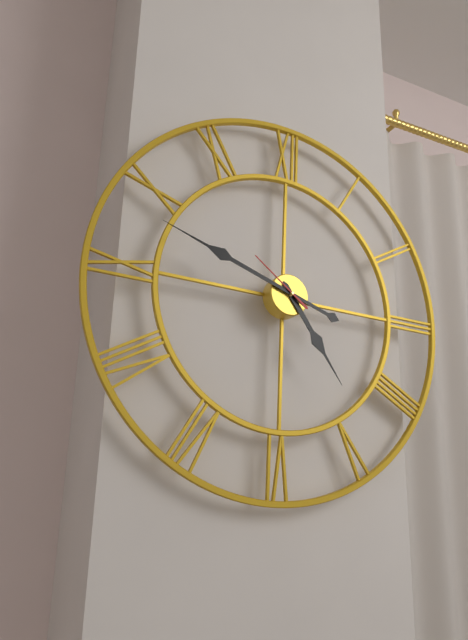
4 h 48 min 51 s
